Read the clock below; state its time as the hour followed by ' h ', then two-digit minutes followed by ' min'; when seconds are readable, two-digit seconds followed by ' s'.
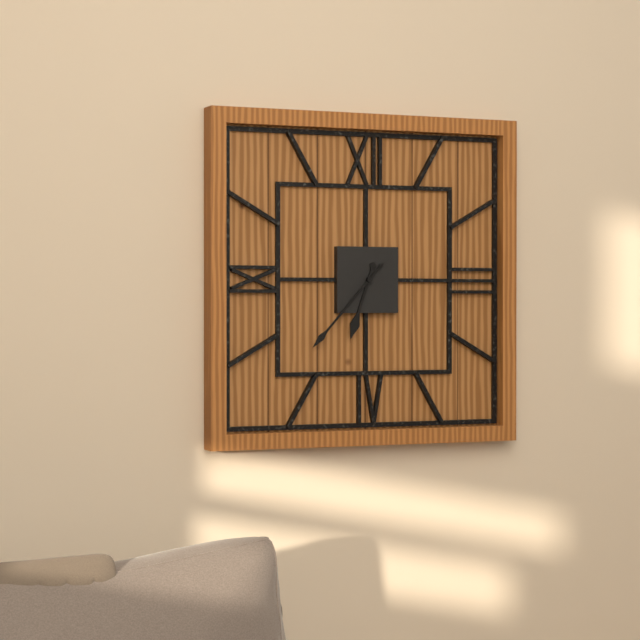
6 h 37 min
